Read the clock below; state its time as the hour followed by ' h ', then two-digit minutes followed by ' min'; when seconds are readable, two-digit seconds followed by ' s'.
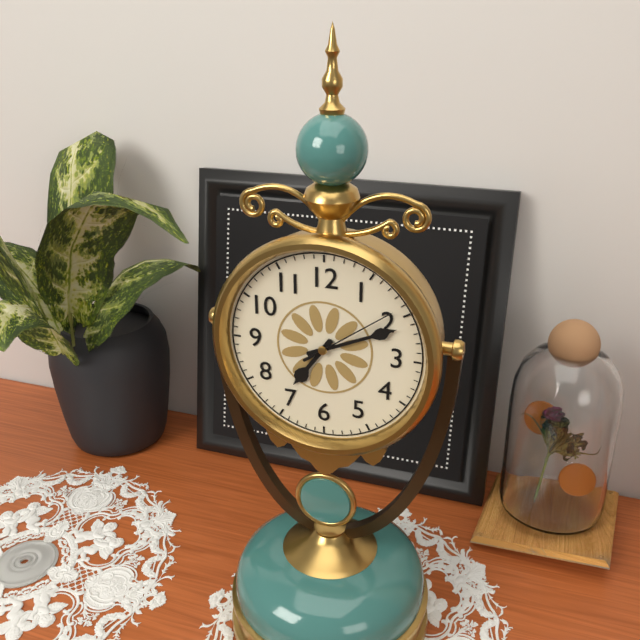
7 h 11 min 09 s
